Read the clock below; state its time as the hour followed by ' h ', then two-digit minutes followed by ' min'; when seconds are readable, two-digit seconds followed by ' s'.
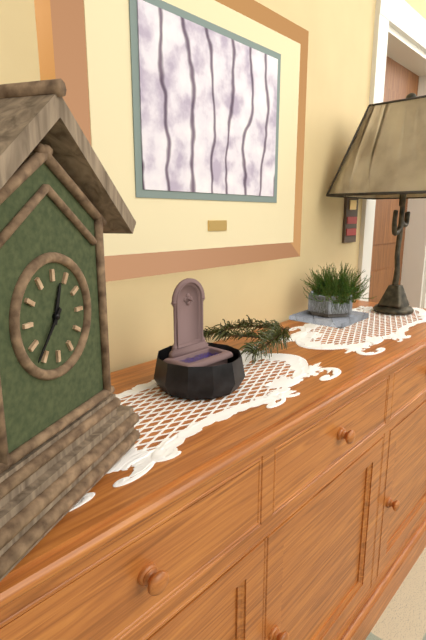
12 h 37 min
